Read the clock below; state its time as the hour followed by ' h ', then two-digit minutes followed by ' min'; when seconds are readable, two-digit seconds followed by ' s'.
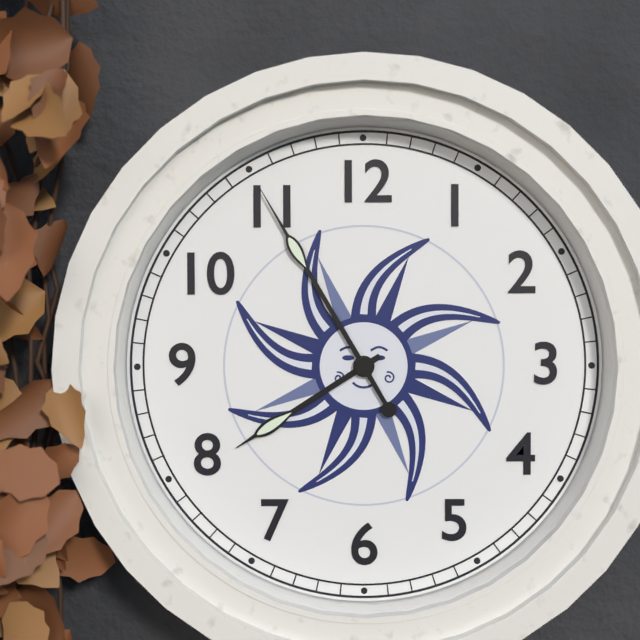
7 h 55 min
